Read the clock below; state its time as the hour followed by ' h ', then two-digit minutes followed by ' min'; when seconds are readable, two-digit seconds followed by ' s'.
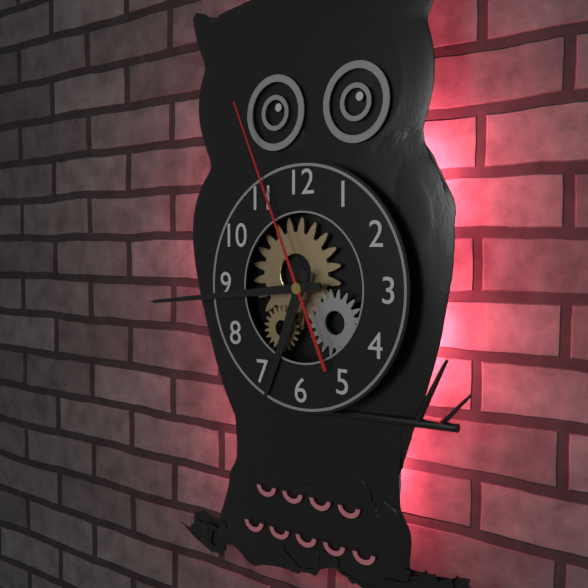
6 h 44 min 56 s
